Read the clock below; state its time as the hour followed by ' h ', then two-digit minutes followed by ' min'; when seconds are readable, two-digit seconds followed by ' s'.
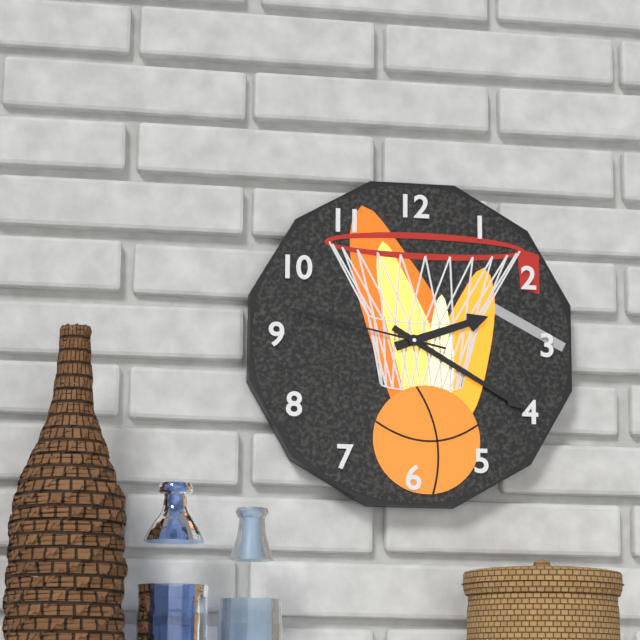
2 h 20 min 47 s
